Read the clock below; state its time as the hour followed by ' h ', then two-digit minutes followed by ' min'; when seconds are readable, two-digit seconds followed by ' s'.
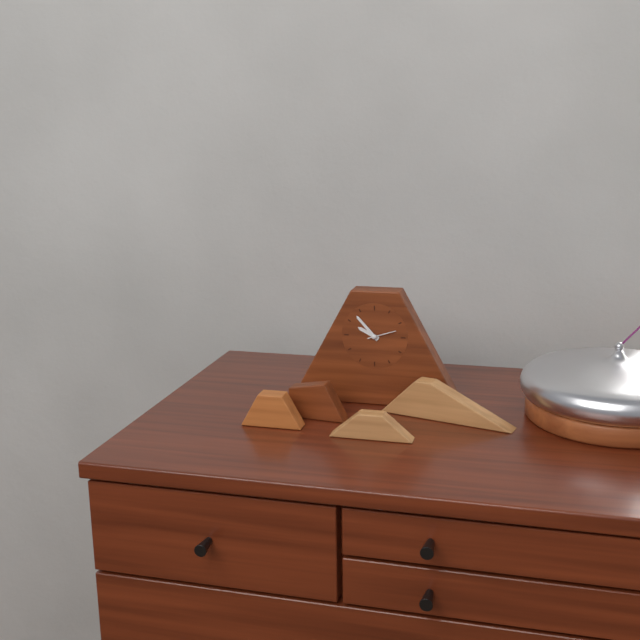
9 h 53 min
